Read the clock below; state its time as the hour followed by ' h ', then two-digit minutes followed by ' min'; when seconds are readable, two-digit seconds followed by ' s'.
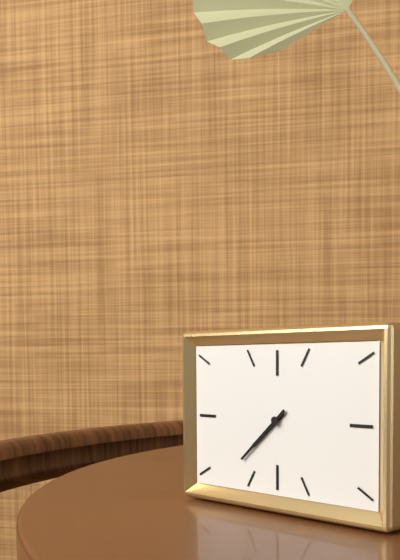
7 h 38 min
